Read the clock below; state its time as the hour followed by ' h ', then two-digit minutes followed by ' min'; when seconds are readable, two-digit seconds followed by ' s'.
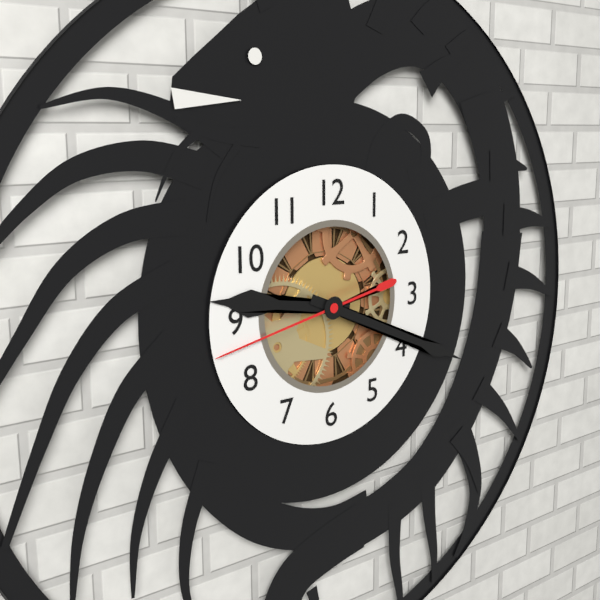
9 h 19 min 43 s
